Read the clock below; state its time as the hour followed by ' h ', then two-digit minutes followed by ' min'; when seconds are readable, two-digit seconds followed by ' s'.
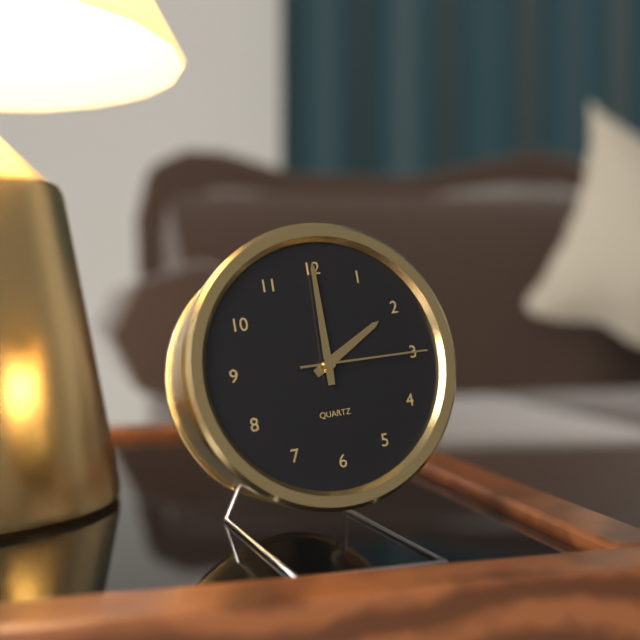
2 h 00 min 15 s
